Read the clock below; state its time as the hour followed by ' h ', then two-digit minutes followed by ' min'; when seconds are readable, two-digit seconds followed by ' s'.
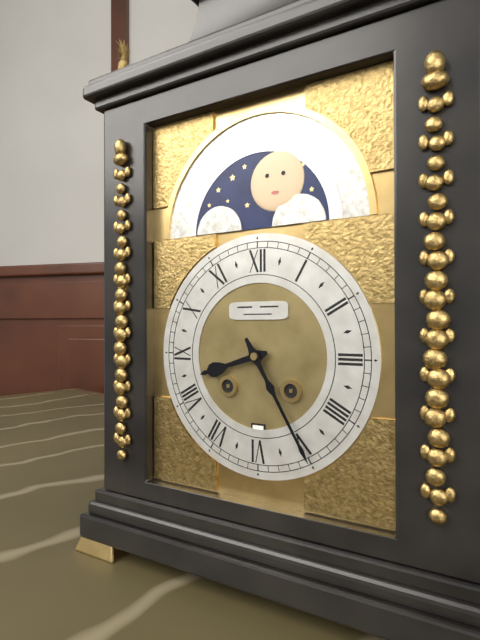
8 h 25 min
